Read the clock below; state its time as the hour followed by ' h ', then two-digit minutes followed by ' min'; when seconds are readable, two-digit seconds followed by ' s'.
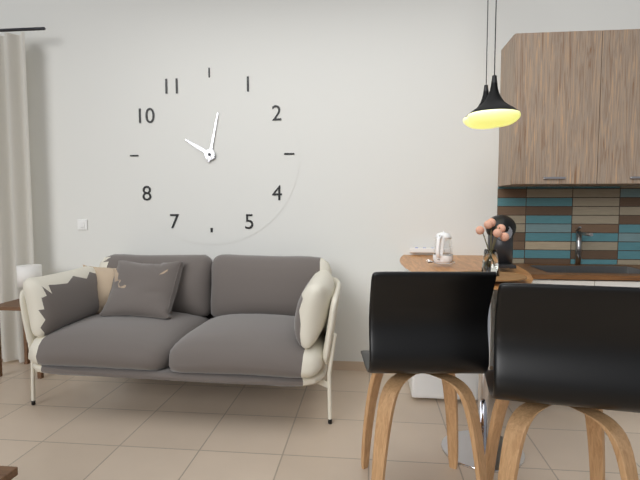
10 h 02 min
